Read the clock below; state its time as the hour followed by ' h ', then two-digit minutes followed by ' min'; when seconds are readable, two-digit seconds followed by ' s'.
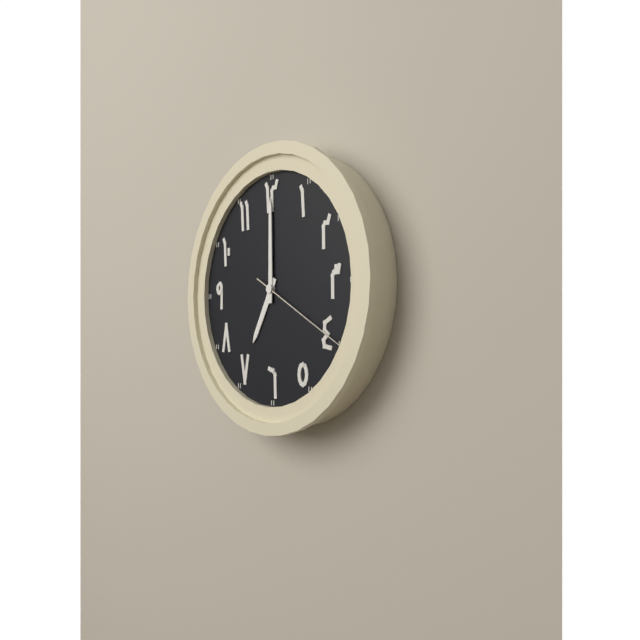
7 h 00 min 20 s
